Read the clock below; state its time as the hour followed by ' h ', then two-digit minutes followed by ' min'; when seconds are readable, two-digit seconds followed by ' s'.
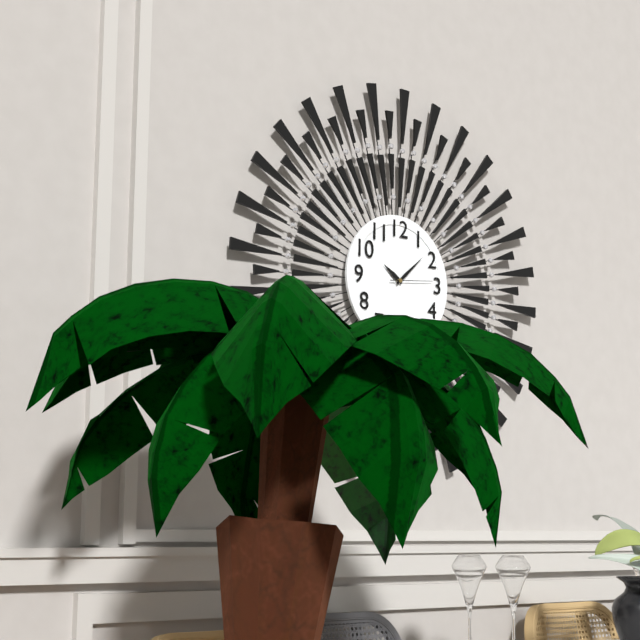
10 h 08 min 14 s
